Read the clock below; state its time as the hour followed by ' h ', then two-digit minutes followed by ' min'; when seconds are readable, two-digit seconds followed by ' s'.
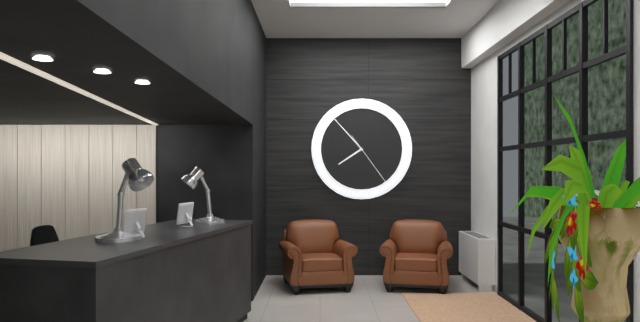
7 h 53 min 24 s
